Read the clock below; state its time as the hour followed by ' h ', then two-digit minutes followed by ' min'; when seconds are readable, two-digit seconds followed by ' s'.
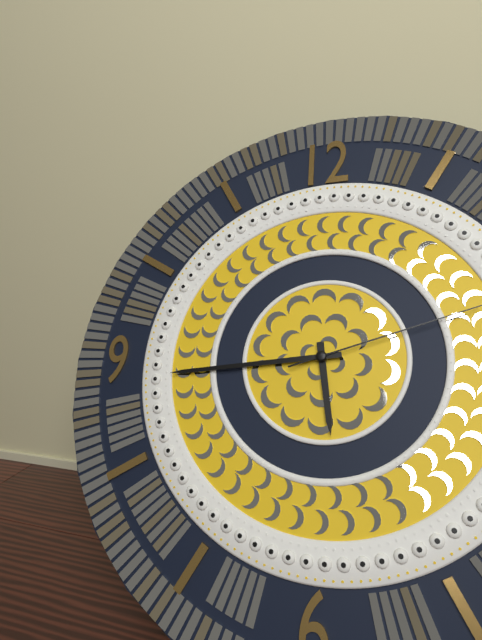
5 h 44 min 12 s
